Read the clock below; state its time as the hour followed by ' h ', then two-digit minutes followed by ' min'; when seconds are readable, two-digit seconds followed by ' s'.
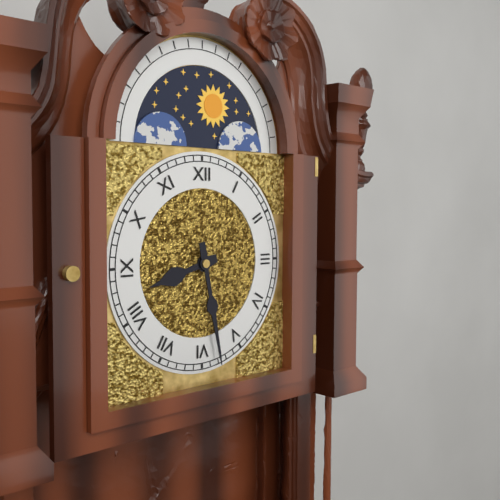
8 h 28 min
